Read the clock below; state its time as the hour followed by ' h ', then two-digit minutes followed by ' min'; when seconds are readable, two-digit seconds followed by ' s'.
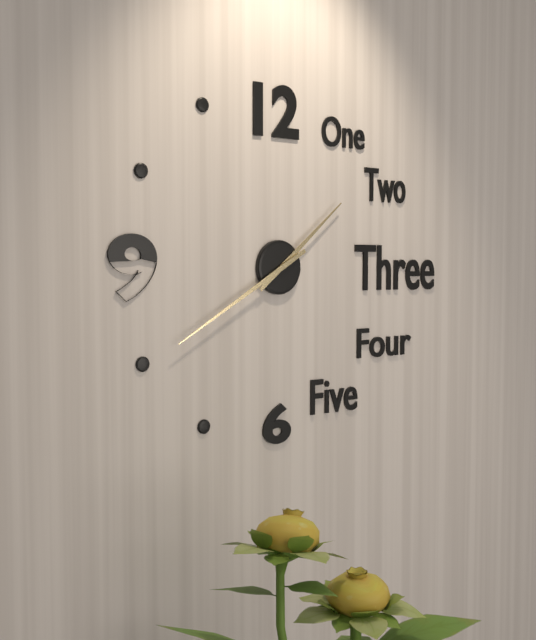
1 h 40 min
